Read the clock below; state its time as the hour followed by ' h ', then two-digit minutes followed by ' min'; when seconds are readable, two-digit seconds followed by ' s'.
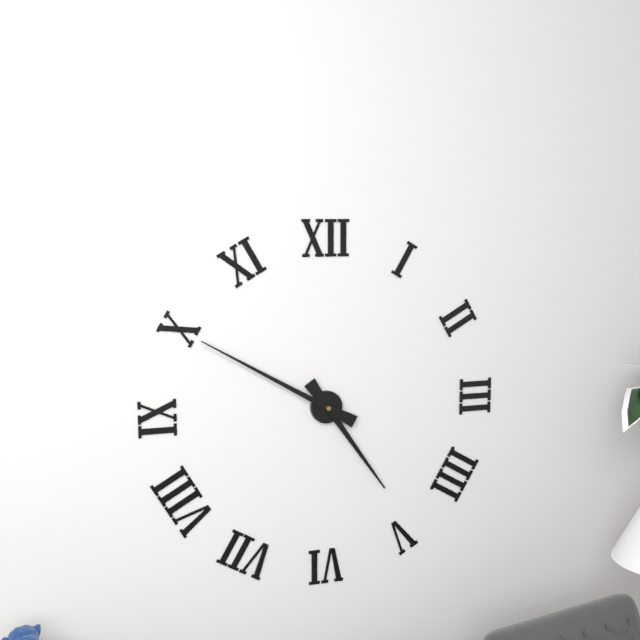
4 h 50 min
